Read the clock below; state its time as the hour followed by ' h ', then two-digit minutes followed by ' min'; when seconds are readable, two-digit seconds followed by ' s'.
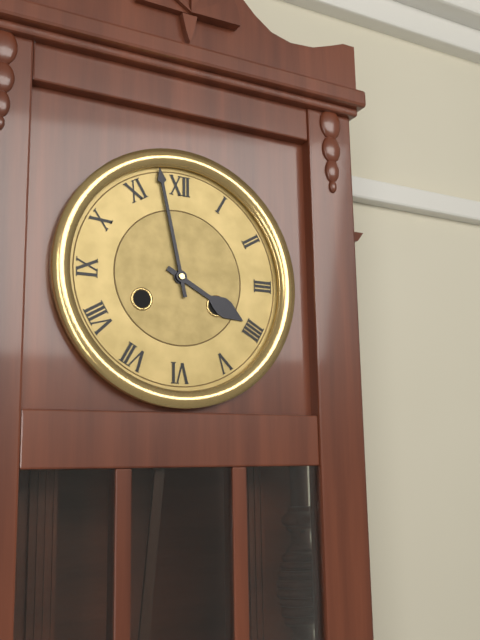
3 h 58 min
